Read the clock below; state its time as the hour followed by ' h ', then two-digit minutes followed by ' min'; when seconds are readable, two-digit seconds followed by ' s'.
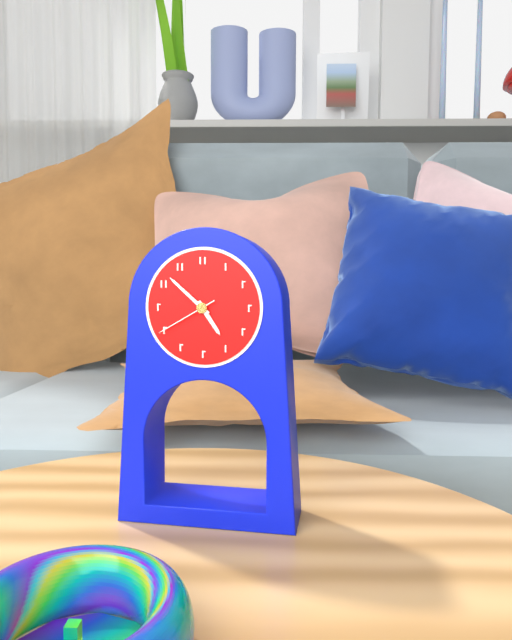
4 h 52 min 40 s
